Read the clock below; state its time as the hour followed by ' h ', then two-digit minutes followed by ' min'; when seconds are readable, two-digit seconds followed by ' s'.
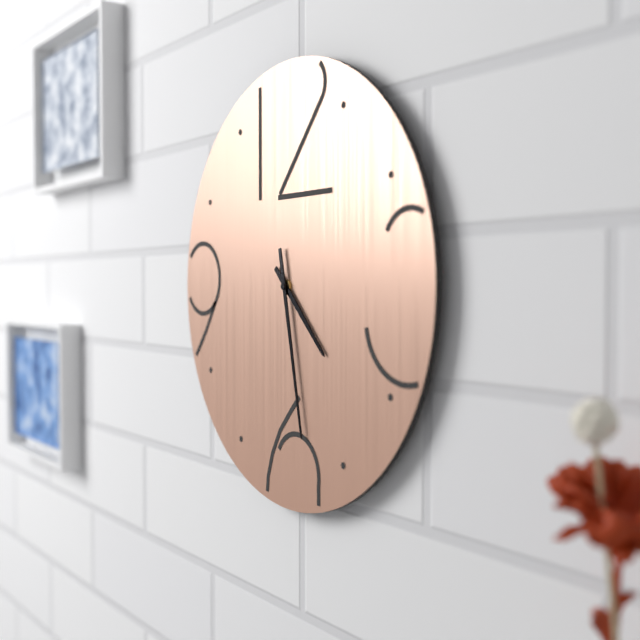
4 h 28 min
